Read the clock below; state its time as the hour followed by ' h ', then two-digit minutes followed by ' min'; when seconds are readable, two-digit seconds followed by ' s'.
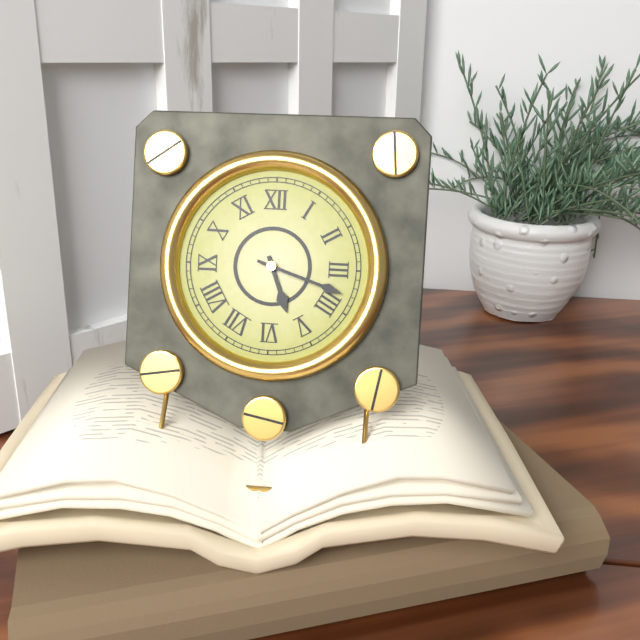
5 h 18 min
